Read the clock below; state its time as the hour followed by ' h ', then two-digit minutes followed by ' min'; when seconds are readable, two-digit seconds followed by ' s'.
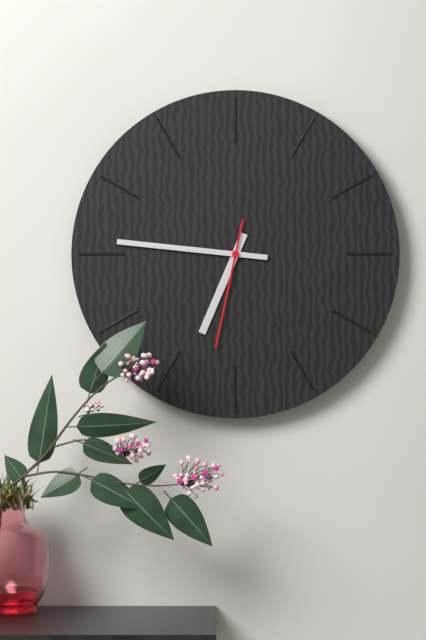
6 h 46 min 32 s
